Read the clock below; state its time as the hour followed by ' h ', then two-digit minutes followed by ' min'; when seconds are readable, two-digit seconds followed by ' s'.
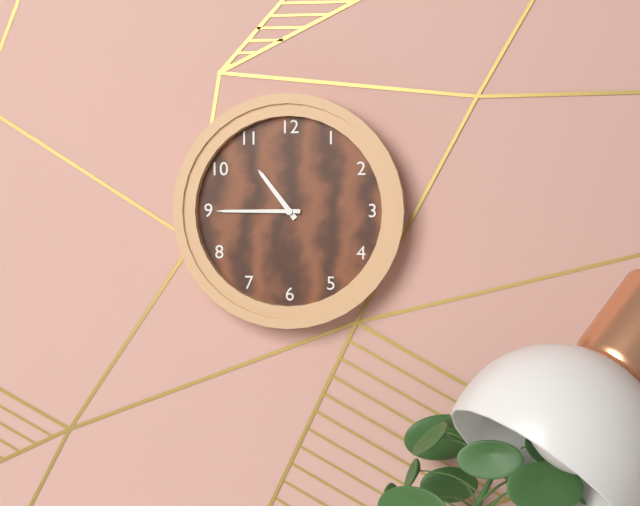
10 h 45 min
